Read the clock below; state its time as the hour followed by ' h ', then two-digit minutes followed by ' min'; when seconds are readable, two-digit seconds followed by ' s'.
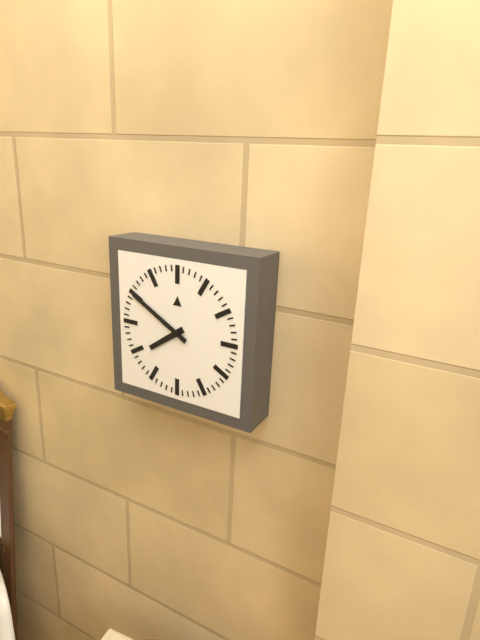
7 h 50 min
